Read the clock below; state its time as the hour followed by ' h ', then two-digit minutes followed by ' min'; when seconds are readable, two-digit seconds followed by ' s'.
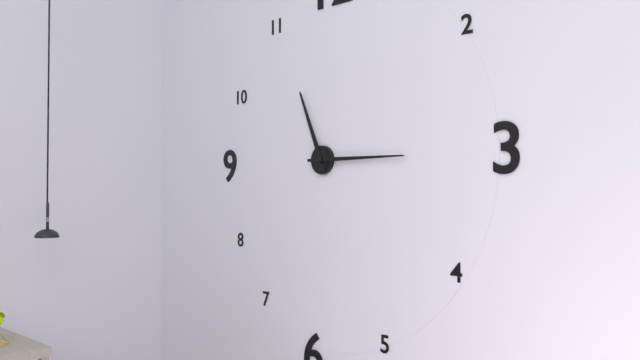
11 h 15 min
